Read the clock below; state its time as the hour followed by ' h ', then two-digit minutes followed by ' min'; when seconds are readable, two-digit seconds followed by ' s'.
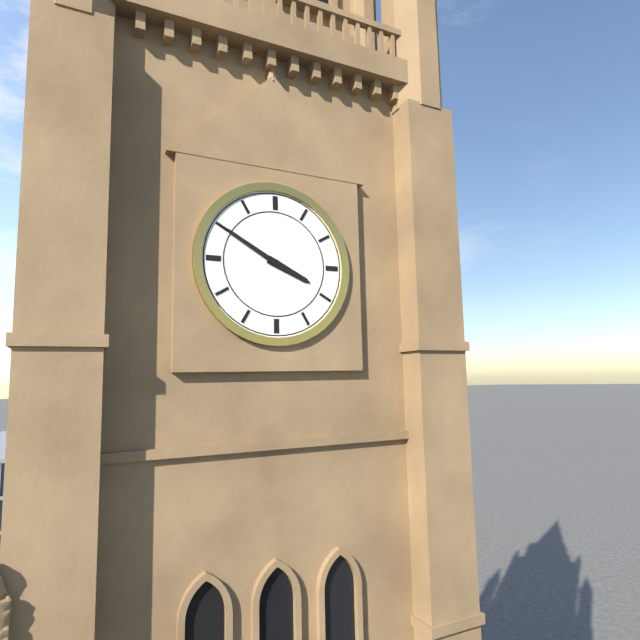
3 h 50 min
